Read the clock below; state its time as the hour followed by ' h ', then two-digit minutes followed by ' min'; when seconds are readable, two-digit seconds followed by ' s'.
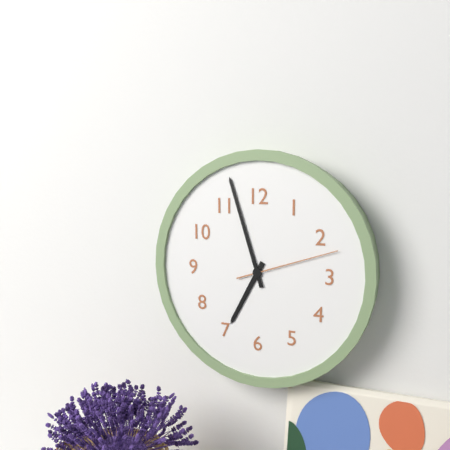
6 h 57 min 12 s
